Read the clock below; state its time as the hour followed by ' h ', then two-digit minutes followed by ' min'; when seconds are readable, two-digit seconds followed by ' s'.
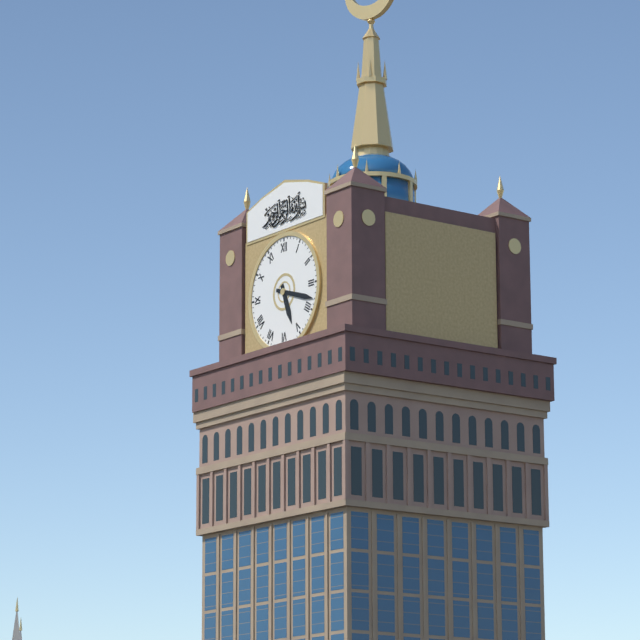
5 h 18 min
